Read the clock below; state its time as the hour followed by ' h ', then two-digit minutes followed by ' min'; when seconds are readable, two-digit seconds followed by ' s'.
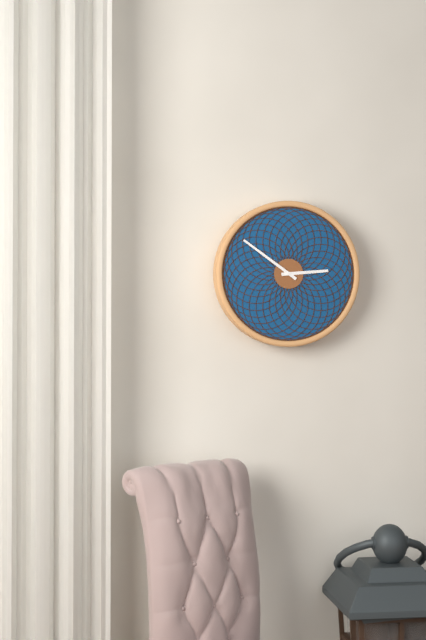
2 h 51 min
